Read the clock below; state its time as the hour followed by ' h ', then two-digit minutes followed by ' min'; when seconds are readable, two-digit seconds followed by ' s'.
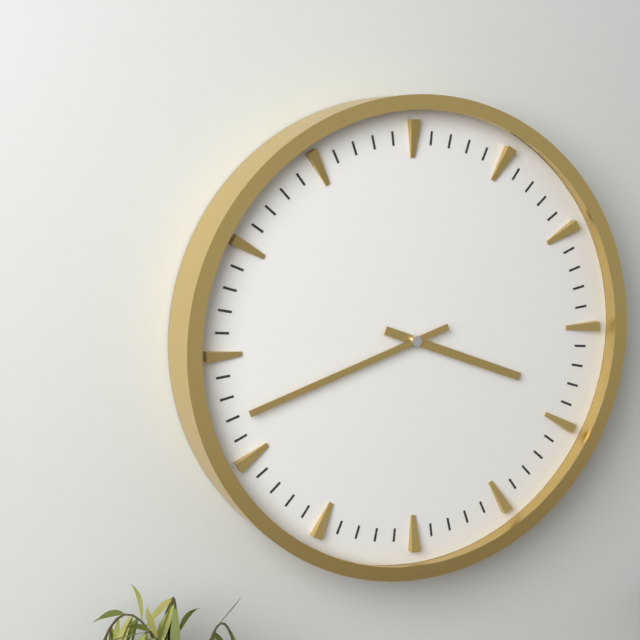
3 h 42 min
